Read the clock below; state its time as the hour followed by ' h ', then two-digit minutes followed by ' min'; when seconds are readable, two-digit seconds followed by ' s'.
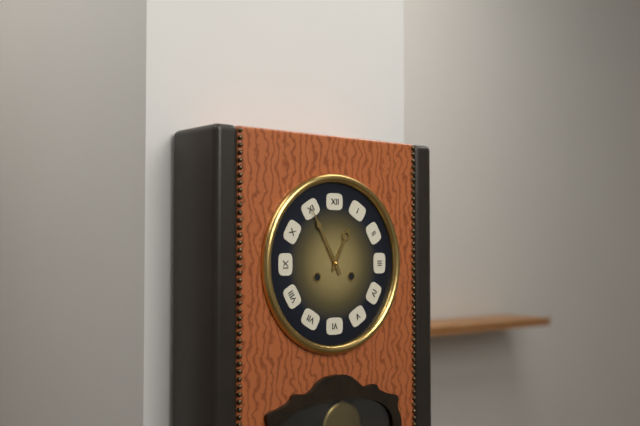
12 h 55 min
